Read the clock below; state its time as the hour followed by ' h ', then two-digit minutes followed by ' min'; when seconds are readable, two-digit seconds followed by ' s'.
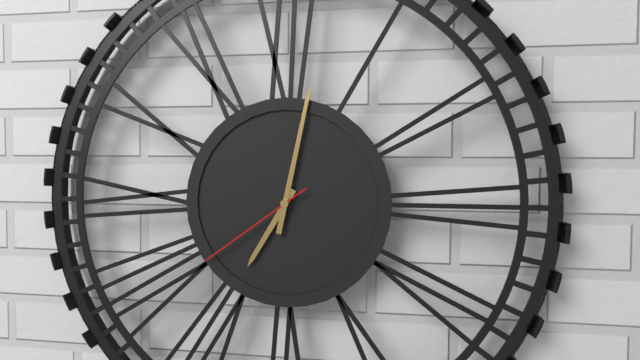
7 h 02 min 39 s
